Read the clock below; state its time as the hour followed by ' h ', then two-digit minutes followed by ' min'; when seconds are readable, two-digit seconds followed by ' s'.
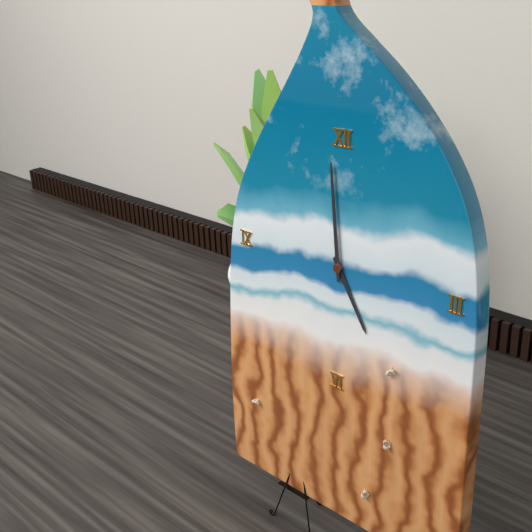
4 h 59 min
